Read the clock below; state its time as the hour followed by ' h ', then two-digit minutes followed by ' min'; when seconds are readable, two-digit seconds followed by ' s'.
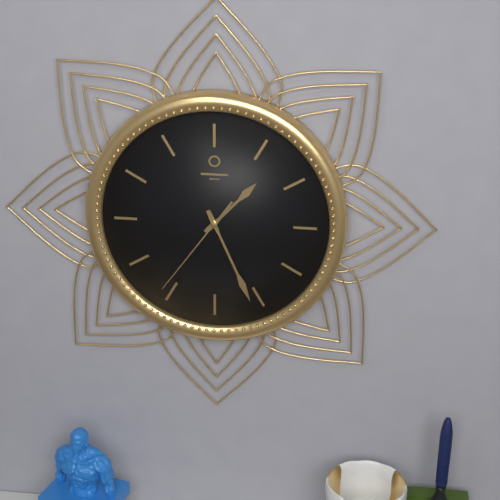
1 h 26 min 36 s
